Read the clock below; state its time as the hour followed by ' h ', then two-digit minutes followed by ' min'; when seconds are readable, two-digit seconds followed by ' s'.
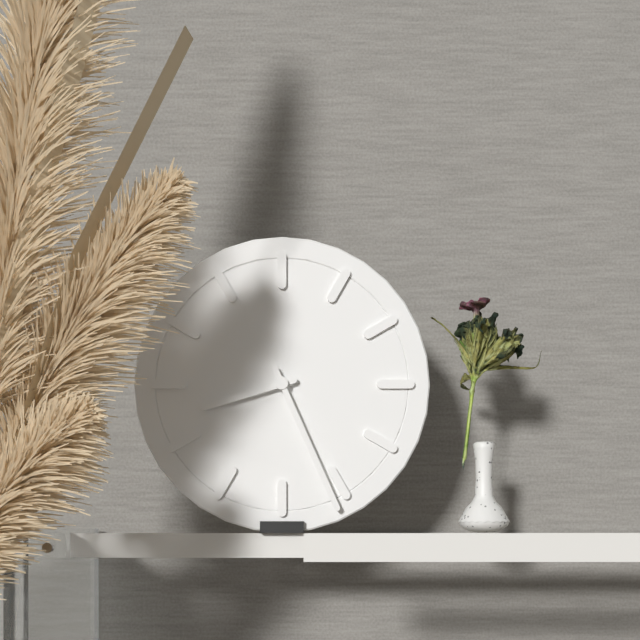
8 h 26 min
